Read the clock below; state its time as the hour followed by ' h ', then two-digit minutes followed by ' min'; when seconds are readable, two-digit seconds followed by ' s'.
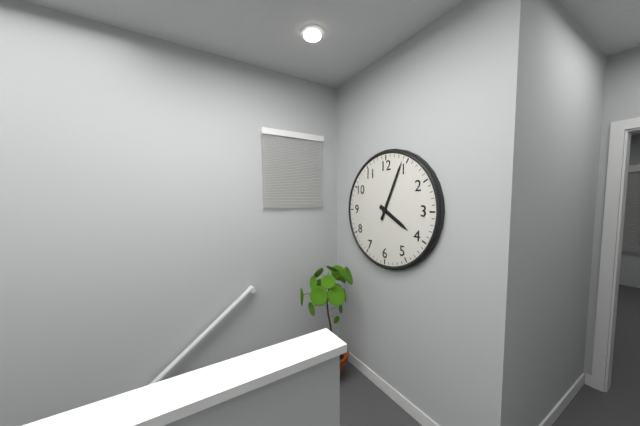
4 h 04 min
